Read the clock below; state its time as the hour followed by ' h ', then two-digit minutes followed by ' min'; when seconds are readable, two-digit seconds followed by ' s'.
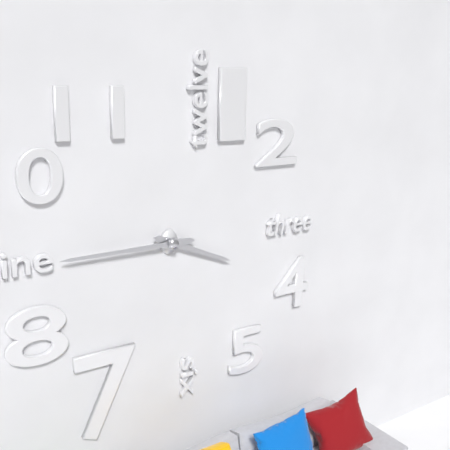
3 h 45 min
